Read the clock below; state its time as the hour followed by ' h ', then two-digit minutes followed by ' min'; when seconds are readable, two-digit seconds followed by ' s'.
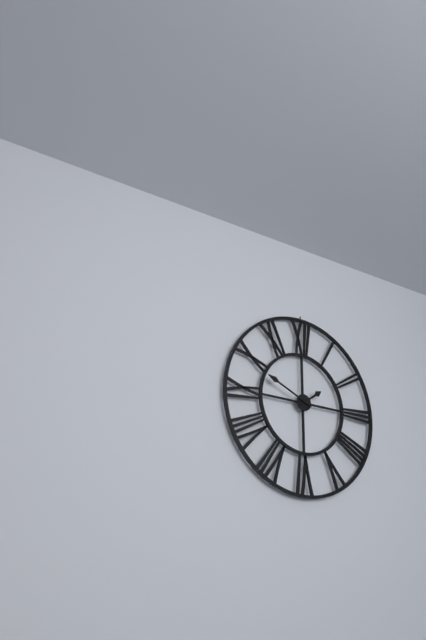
1 h 49 min
